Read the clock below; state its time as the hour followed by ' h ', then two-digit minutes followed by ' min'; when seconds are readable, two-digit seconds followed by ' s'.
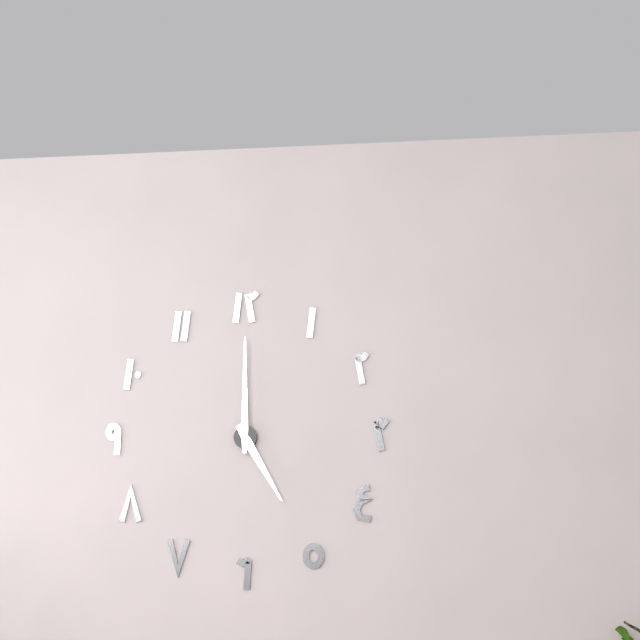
5 h 00 min
